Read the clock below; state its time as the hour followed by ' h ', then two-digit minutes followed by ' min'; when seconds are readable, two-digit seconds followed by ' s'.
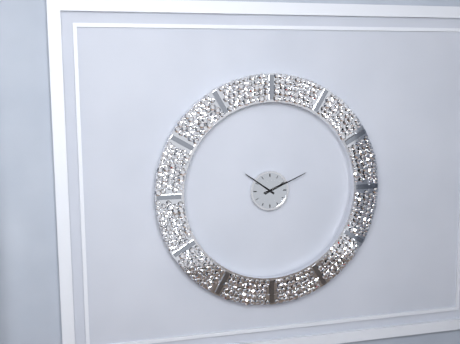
10 h 11 min
